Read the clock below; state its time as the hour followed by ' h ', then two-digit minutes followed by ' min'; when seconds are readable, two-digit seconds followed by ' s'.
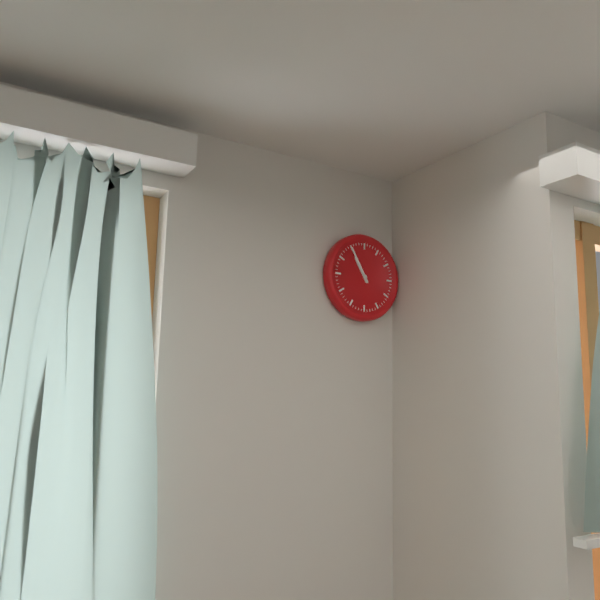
10 h 55 min
